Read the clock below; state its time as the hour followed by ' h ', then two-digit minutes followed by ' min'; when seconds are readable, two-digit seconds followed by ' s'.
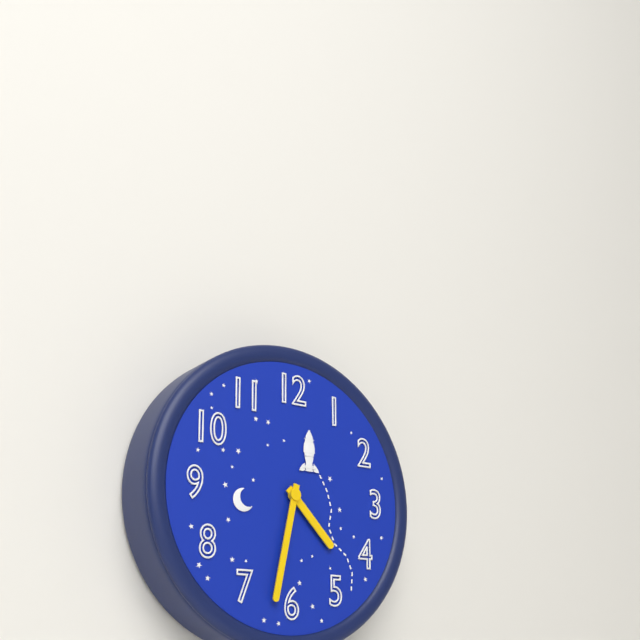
4 h 32 min
